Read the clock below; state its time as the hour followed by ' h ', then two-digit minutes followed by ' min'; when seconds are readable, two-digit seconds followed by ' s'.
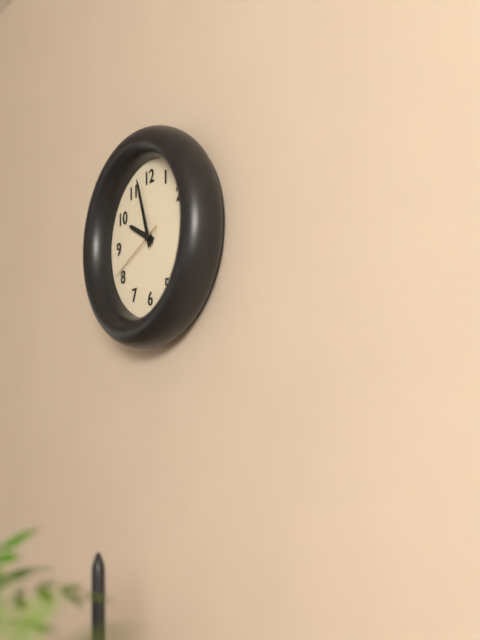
9 h 57 min 41 s
